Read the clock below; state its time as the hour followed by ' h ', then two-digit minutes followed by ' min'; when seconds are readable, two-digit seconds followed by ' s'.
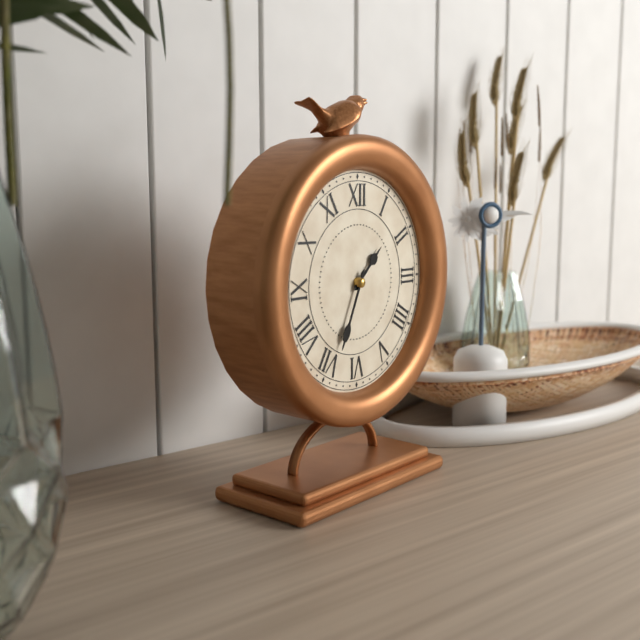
1 h 34 min
